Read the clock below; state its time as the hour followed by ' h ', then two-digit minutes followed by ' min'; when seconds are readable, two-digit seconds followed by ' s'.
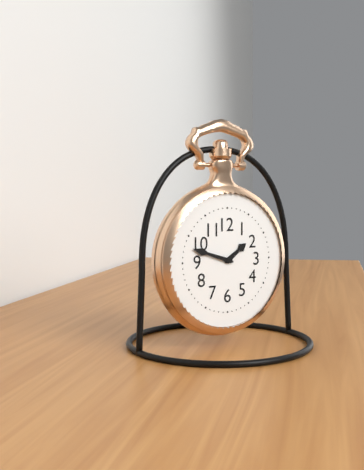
1 h 48 min
